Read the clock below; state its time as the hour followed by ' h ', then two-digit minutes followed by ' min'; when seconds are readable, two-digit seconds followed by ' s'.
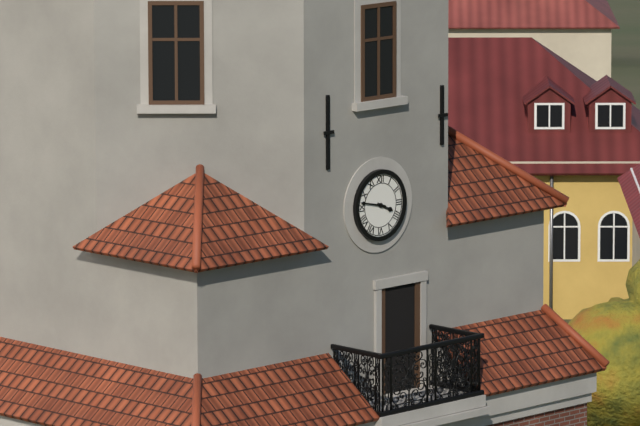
3 h 47 min
